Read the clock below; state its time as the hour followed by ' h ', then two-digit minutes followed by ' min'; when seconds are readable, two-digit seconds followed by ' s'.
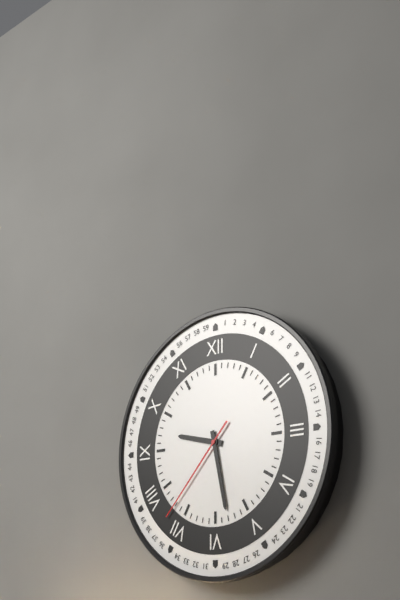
9 h 28 min 37 s
